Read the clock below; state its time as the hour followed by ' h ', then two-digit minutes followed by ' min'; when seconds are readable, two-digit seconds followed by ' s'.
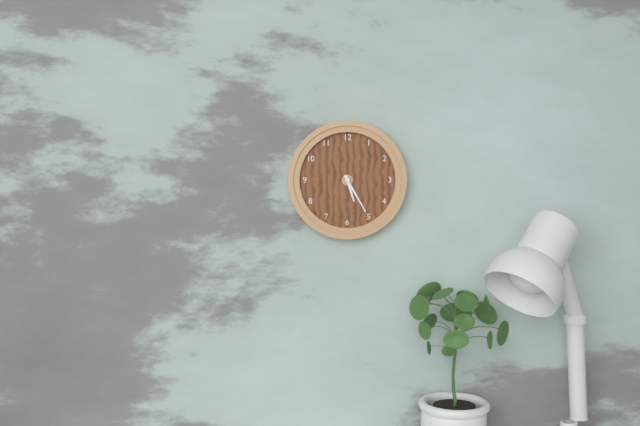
5 h 25 min
